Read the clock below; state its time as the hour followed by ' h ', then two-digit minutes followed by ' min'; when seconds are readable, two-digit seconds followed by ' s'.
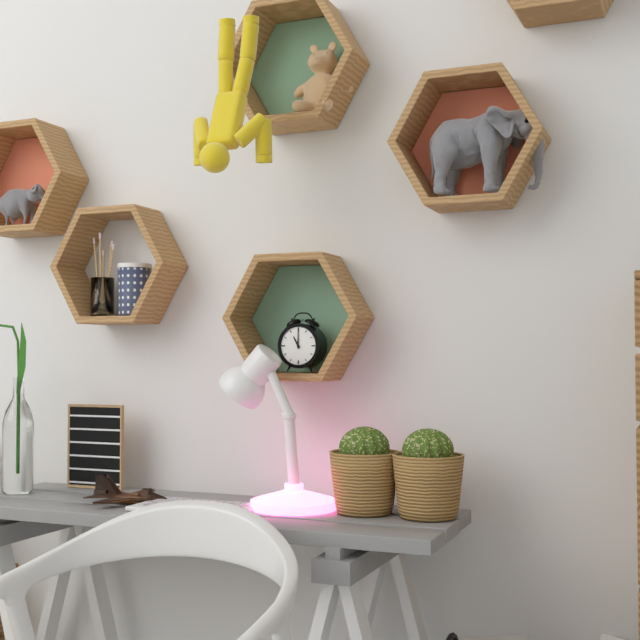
11 h 00 min
